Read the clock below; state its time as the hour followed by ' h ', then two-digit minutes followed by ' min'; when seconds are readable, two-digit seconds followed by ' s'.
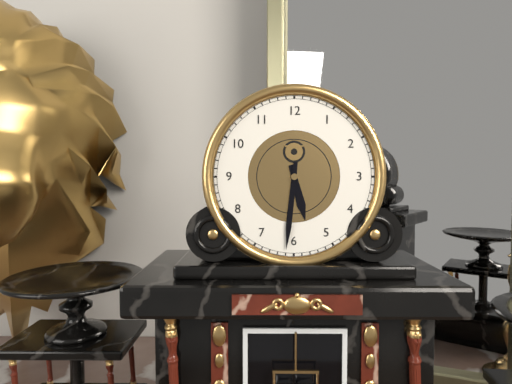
5 h 31 min
